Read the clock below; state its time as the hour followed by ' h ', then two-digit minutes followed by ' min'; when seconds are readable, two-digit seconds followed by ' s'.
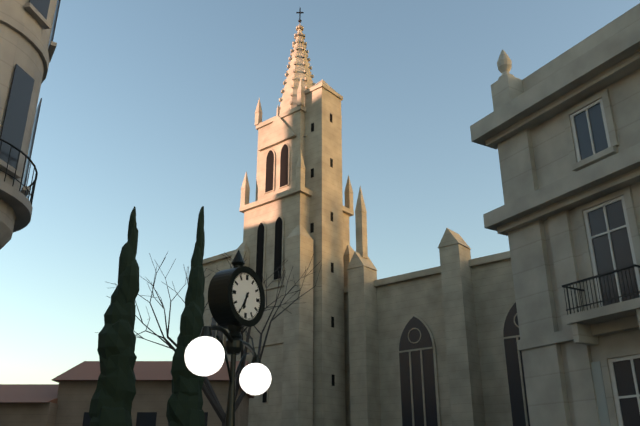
6 h 35 min
